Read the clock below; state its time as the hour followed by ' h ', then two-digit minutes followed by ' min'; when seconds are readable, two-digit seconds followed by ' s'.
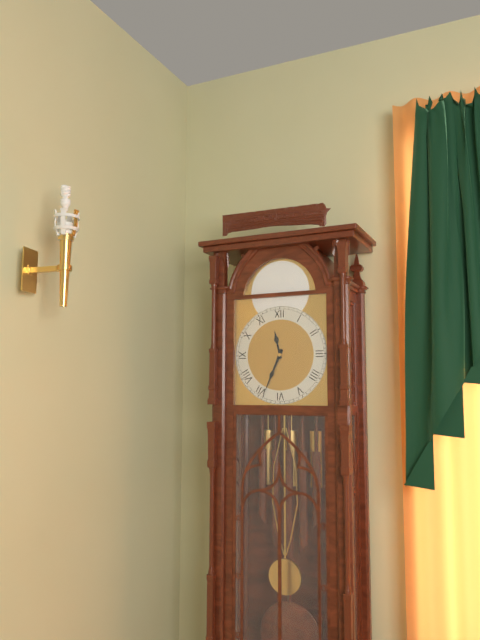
11 h 34 min
